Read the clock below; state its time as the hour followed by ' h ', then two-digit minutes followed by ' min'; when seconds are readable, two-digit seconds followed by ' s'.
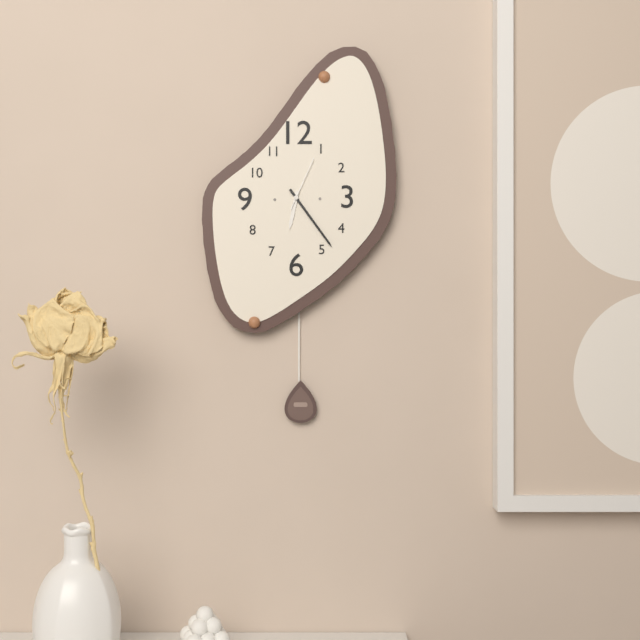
6 h 24 min 04 s
